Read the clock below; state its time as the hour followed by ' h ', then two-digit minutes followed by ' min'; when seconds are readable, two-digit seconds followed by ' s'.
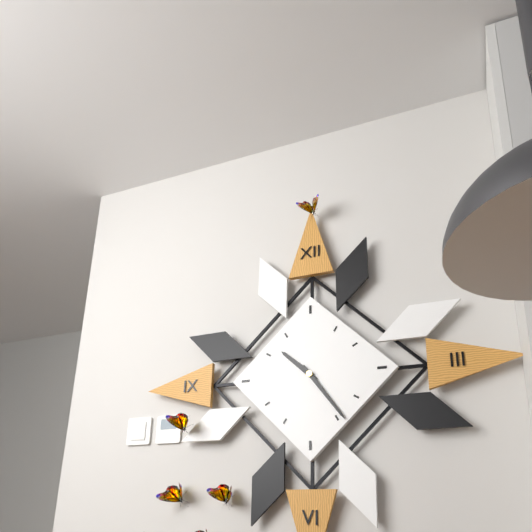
10 h 24 min
